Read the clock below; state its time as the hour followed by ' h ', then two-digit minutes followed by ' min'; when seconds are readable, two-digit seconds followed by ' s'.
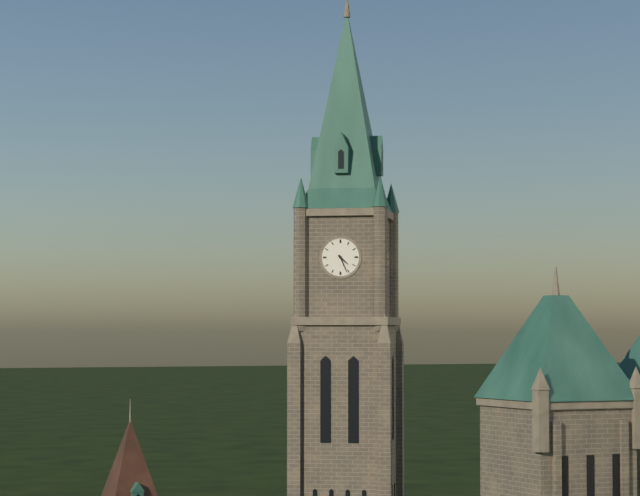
4 h 26 min
